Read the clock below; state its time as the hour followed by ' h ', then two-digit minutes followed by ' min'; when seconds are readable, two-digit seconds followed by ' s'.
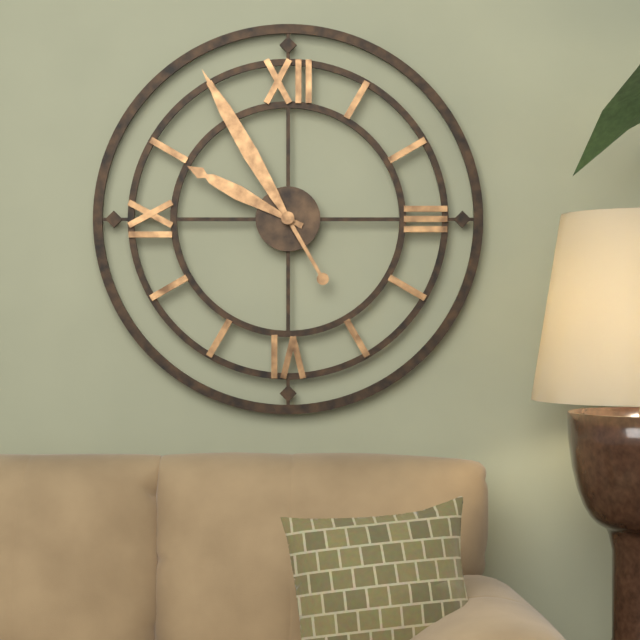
9 h 55 min
